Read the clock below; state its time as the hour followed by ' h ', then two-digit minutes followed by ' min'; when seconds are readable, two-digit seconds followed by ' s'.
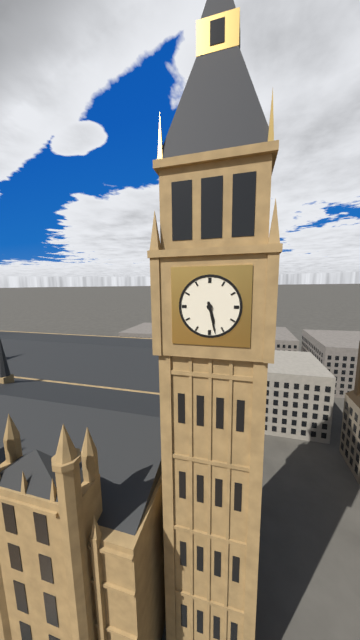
5 h 28 min
